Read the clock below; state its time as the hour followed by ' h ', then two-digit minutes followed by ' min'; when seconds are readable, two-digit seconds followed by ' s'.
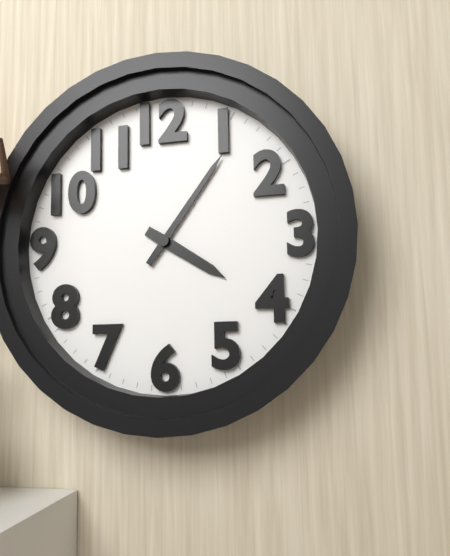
4 h 06 min
